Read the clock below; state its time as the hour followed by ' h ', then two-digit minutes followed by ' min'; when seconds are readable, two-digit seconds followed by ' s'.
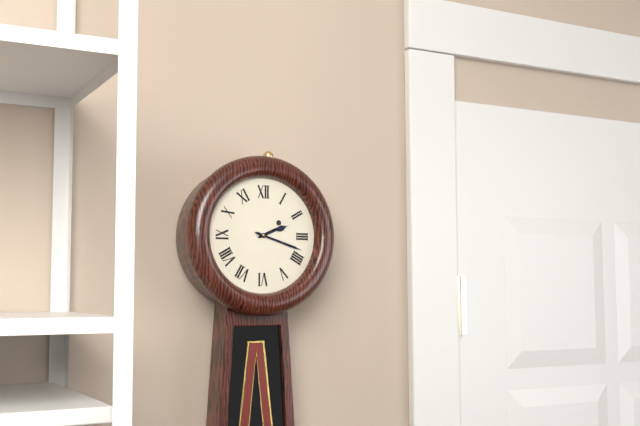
2 h 18 min
